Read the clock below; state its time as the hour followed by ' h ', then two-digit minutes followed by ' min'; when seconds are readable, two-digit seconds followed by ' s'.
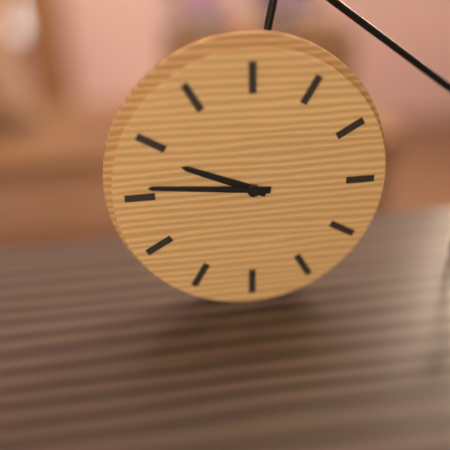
9 h 46 min
